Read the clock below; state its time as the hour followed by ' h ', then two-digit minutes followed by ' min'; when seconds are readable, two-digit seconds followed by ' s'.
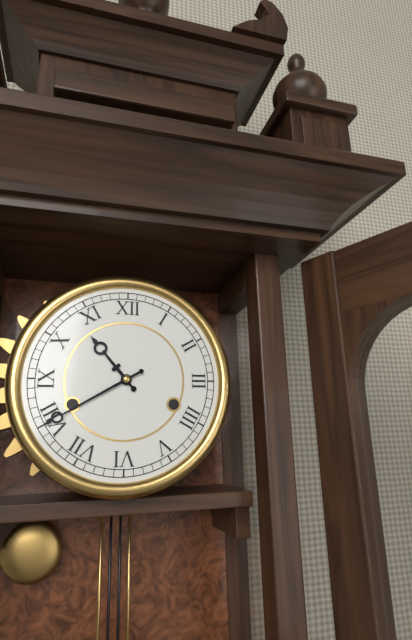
10 h 40 min
